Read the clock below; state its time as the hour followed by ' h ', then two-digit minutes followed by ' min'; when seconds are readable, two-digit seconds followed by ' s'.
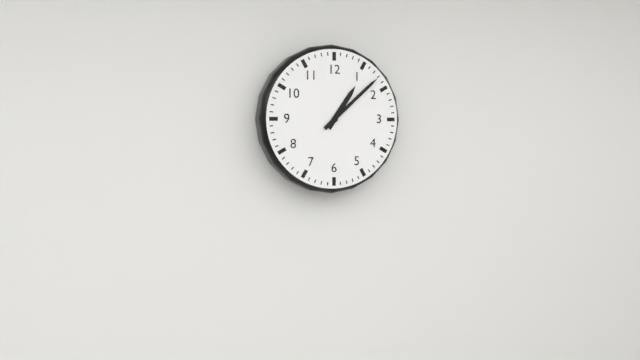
1 h 08 min
